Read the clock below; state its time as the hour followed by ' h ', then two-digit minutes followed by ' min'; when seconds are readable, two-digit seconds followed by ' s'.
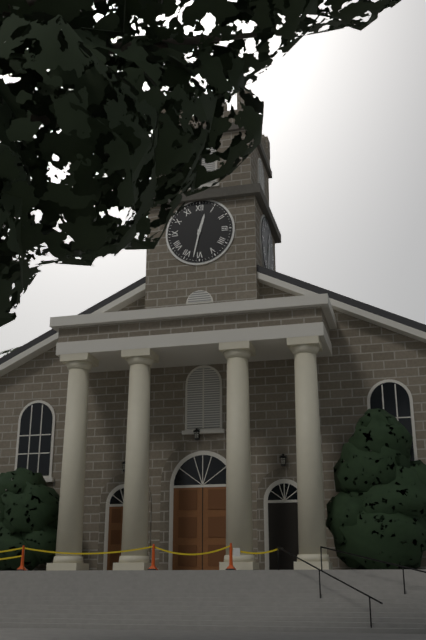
12 h 32 min
